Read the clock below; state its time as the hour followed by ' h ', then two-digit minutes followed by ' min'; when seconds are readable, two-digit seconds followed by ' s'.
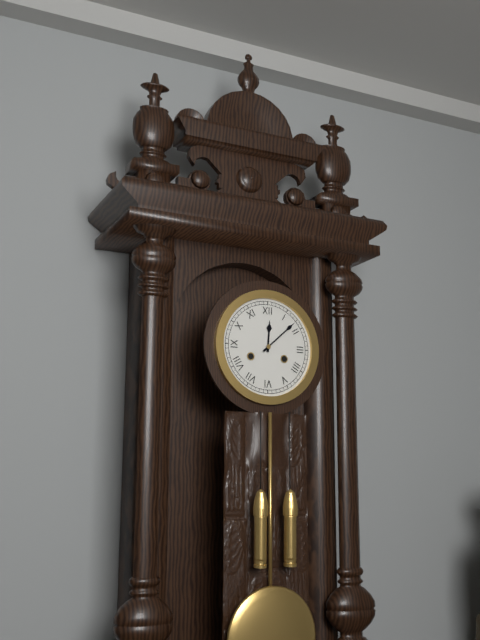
12 h 08 min
